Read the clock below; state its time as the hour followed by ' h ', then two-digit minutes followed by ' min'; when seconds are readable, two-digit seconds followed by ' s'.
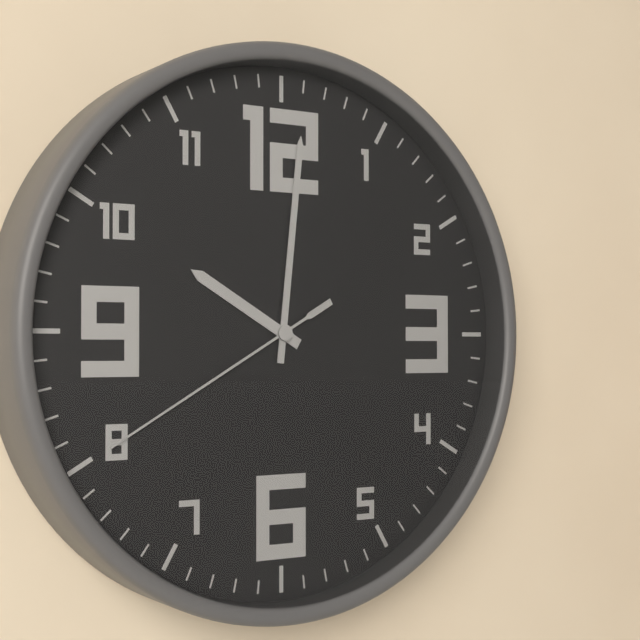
10 h 01 min 40 s
